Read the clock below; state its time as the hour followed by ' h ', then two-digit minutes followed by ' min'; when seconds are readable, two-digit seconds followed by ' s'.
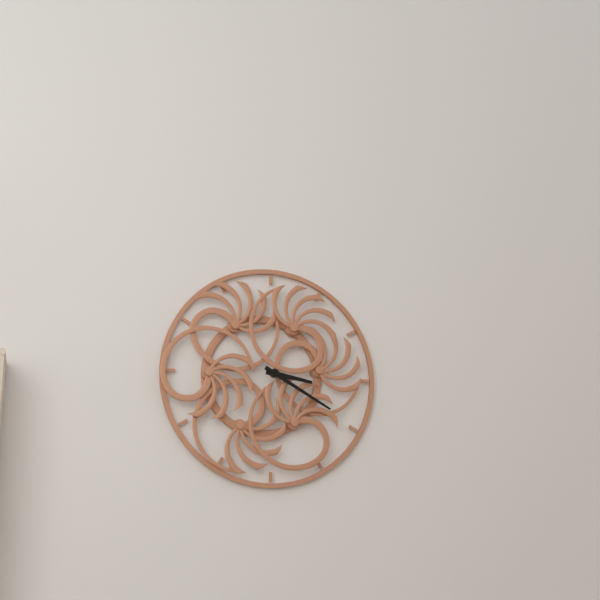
3 h 20 min
